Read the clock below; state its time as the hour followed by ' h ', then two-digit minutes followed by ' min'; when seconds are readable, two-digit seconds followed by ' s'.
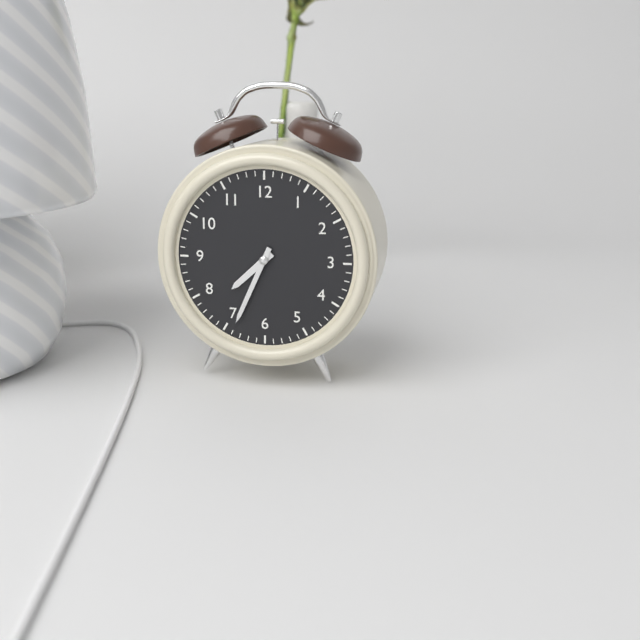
7 h 34 min
